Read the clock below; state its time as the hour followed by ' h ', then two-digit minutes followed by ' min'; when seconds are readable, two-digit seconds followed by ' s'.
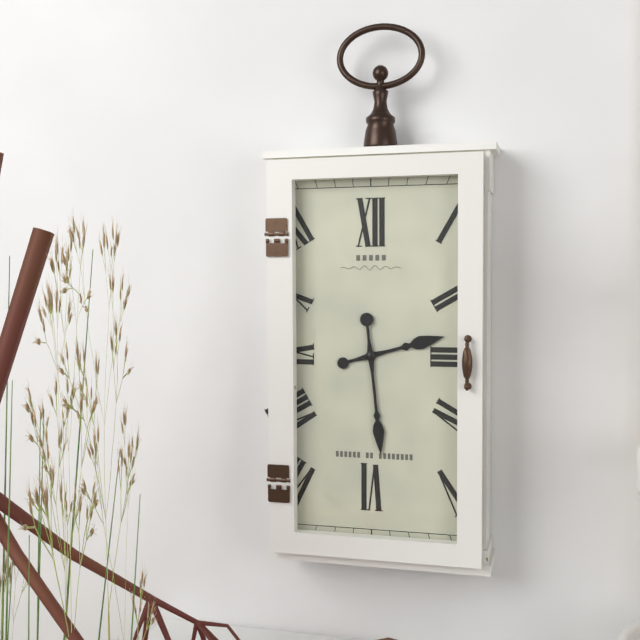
2 h 29 min
